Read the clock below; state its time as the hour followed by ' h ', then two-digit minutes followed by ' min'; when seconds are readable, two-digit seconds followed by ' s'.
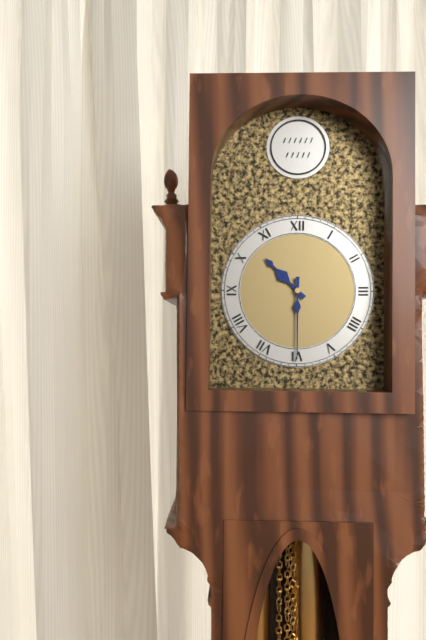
10 h 30 min
